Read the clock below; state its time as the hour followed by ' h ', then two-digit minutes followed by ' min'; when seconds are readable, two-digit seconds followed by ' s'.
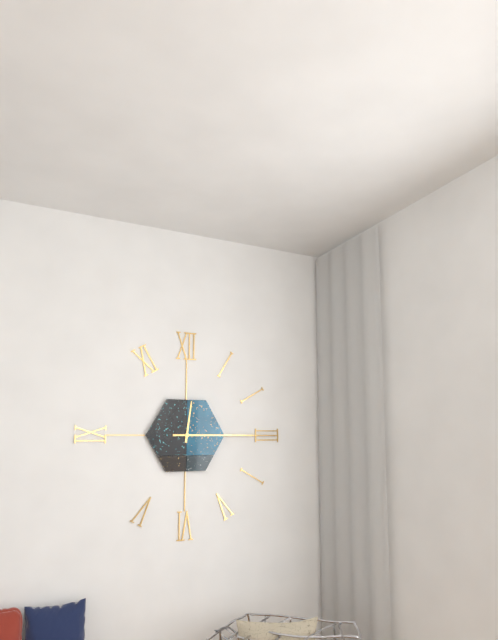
12 h 15 min
